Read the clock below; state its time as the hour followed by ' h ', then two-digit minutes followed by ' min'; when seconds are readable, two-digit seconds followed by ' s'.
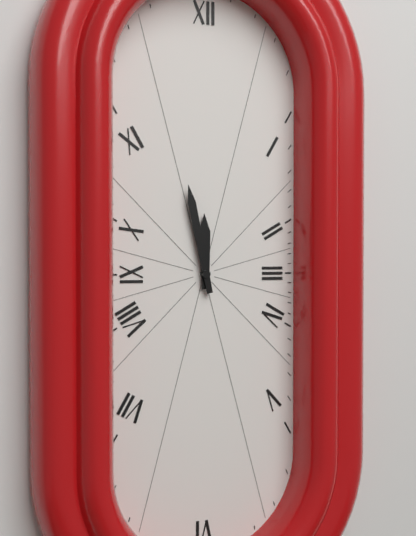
11 h 58 min
